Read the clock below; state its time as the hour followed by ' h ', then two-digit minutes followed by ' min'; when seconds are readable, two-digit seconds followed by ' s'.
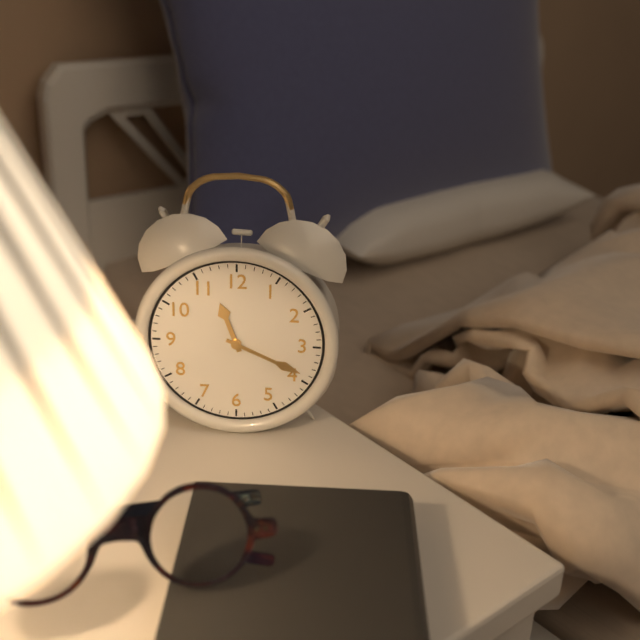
11 h 19 min
